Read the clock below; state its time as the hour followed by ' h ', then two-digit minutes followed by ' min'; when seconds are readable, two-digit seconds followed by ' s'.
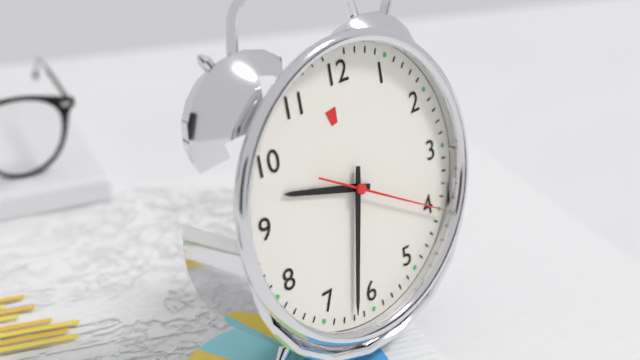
9 h 32 min 20 s
